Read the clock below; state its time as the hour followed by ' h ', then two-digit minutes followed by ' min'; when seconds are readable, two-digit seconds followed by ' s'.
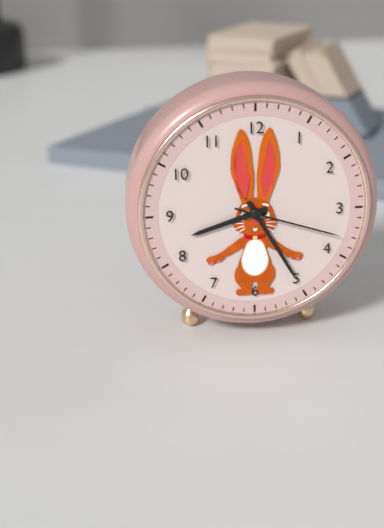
8 h 25 min 18 s
